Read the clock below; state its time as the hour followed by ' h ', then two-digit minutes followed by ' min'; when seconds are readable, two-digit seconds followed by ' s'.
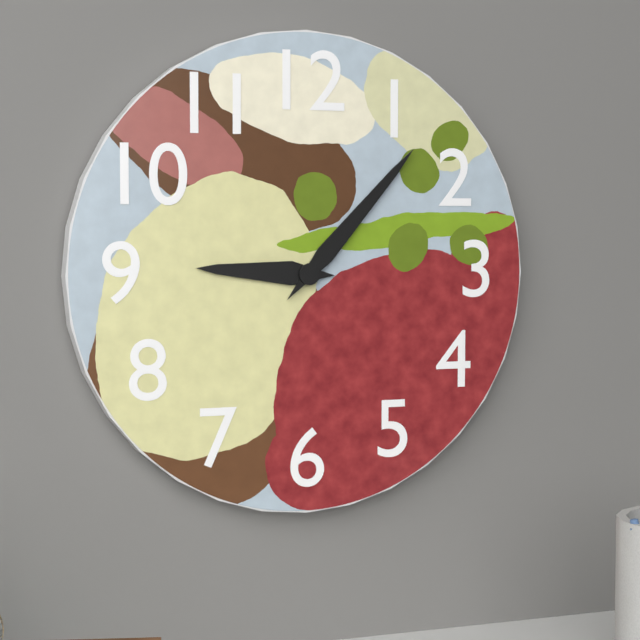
9 h 07 min
